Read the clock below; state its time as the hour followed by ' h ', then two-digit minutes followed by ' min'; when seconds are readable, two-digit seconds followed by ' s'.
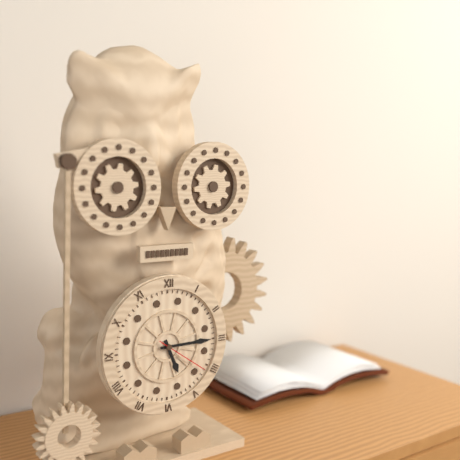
5 h 15 min 21 s
